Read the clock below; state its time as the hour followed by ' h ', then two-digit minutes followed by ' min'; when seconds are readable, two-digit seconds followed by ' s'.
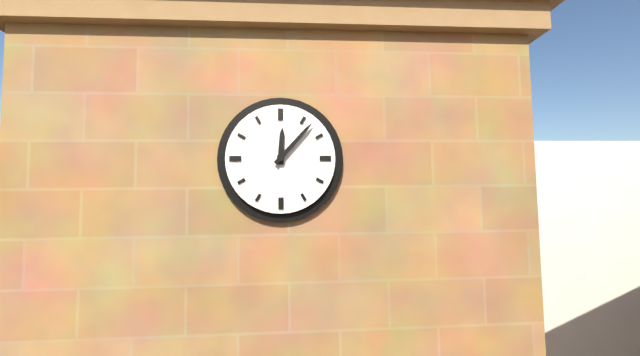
12 h 07 min
